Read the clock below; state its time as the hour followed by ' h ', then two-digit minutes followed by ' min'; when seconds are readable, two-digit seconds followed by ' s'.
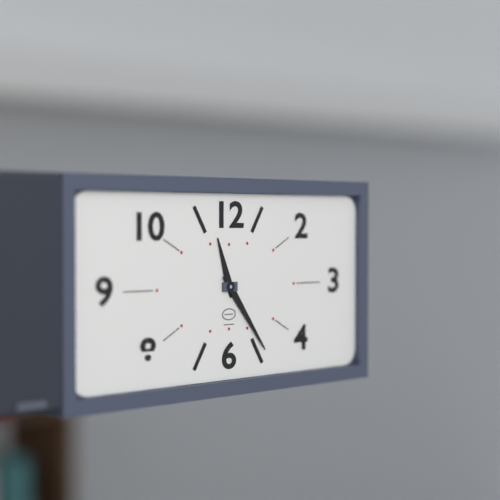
11 h 24 min
